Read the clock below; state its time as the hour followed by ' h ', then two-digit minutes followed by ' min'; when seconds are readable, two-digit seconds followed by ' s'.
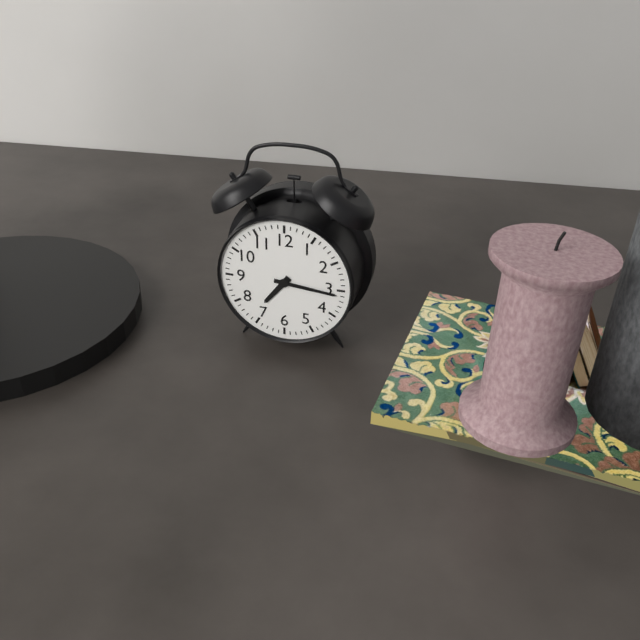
7 h 16 min
